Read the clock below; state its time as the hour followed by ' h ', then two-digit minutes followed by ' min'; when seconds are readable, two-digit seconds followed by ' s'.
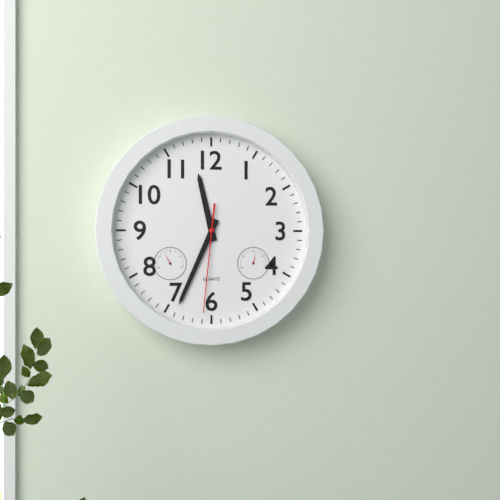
11 h 34 min 31 s
